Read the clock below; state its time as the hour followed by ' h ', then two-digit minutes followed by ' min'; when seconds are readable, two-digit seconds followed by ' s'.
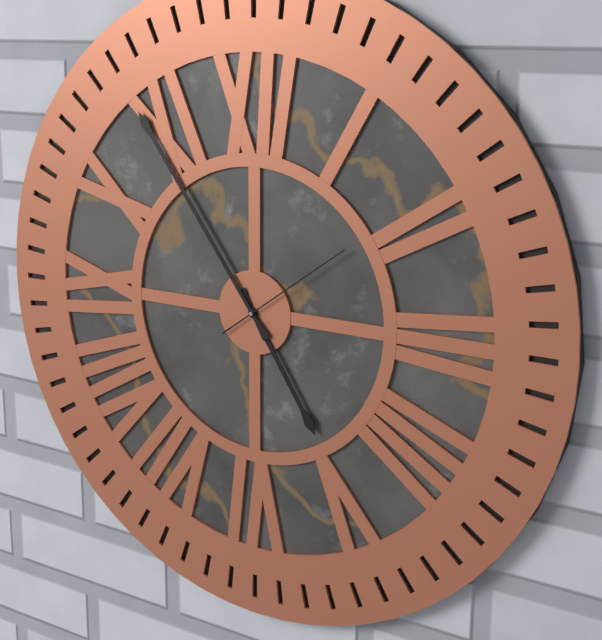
4 h 54 min 09 s
